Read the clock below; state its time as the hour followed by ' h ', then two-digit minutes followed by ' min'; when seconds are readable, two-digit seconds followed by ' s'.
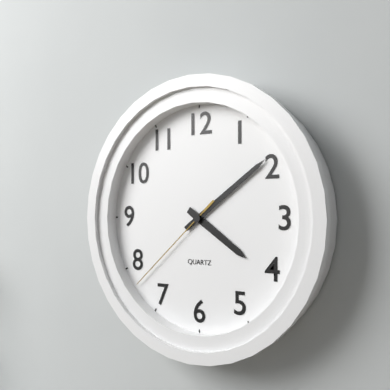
4 h 09 min 38 s
